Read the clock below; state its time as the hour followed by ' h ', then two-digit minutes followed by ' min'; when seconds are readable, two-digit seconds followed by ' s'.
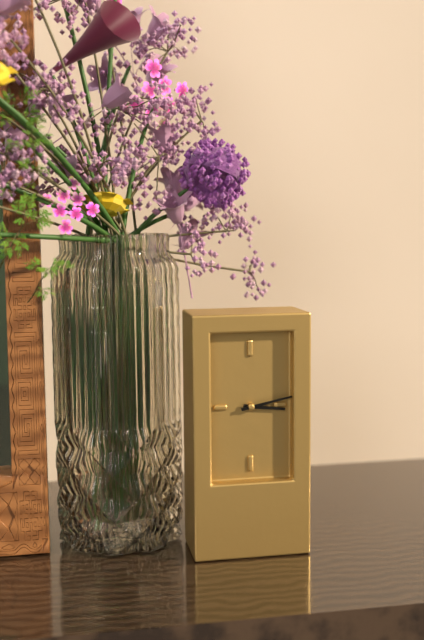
3 h 13 min
